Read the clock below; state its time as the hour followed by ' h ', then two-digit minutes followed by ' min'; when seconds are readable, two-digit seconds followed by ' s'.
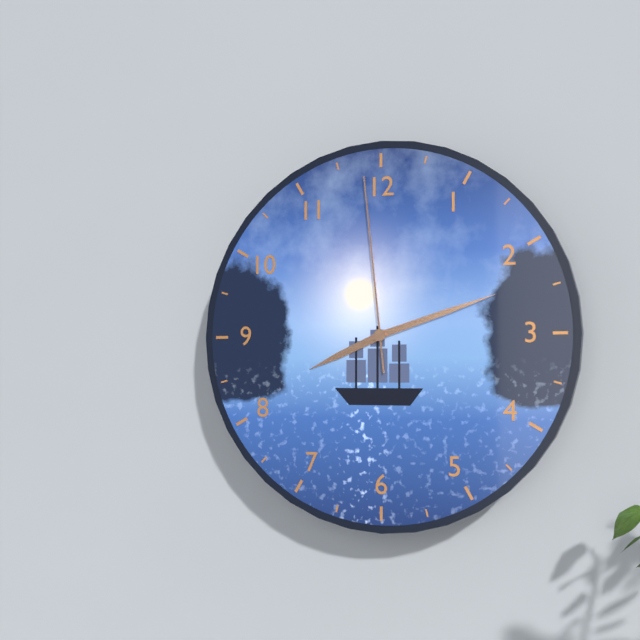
8 h 12 min 59 s
